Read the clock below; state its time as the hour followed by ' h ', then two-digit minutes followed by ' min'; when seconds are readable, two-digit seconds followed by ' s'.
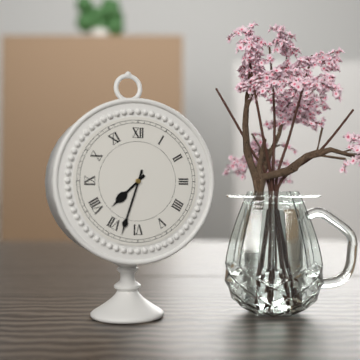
7 h 33 min
